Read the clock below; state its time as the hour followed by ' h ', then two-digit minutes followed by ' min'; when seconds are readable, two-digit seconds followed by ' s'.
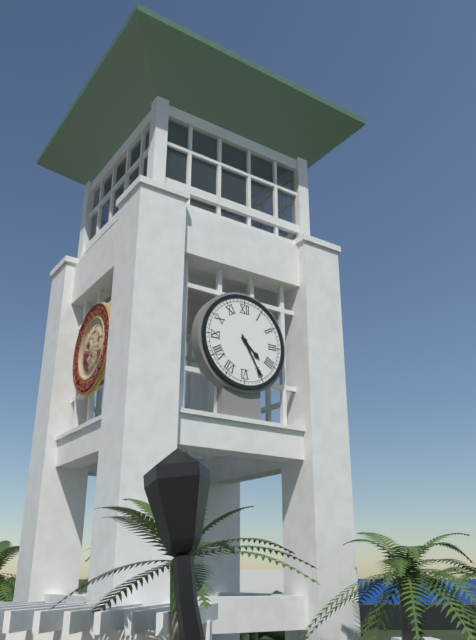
4 h 25 min
